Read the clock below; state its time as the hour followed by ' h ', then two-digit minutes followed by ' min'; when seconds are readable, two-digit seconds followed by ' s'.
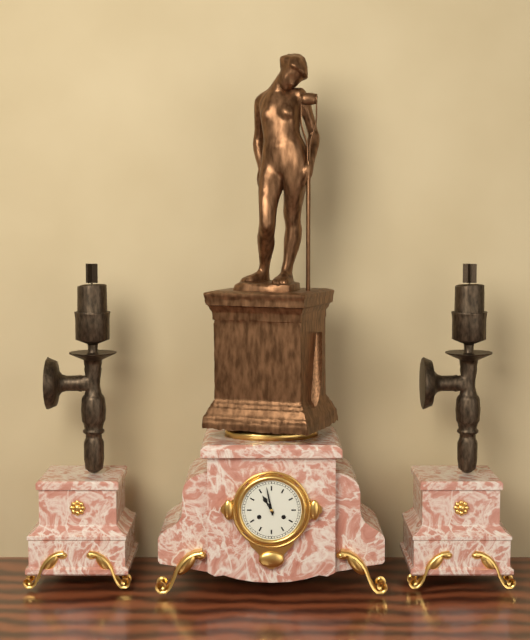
10 h 58 min
